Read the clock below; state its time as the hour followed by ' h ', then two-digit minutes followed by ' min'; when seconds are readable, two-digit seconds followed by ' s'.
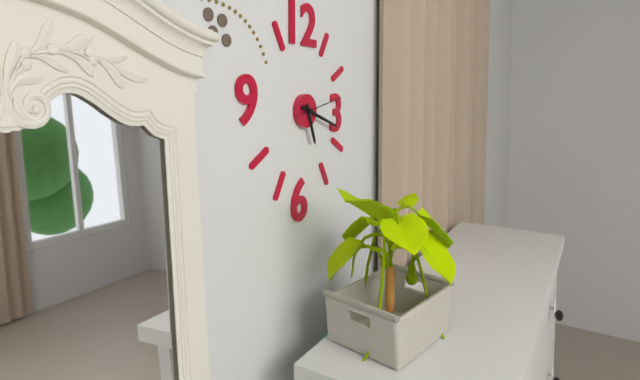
5 h 18 min 13 s
